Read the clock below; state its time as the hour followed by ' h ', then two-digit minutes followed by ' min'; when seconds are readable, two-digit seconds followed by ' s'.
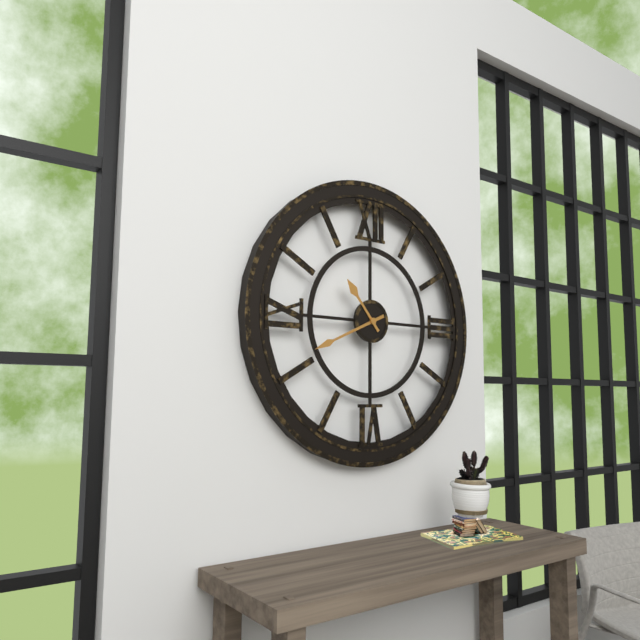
10 h 41 min
